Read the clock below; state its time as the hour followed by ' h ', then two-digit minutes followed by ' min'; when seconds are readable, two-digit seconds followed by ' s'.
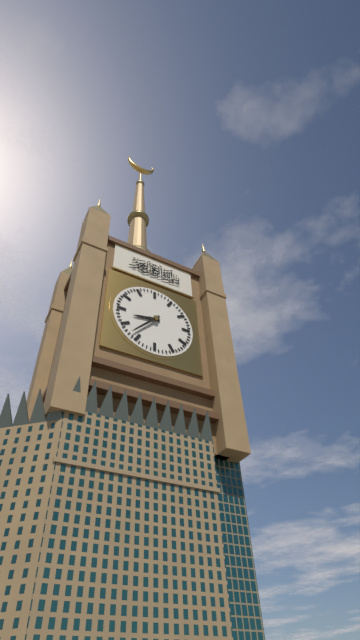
8 h 37 min
